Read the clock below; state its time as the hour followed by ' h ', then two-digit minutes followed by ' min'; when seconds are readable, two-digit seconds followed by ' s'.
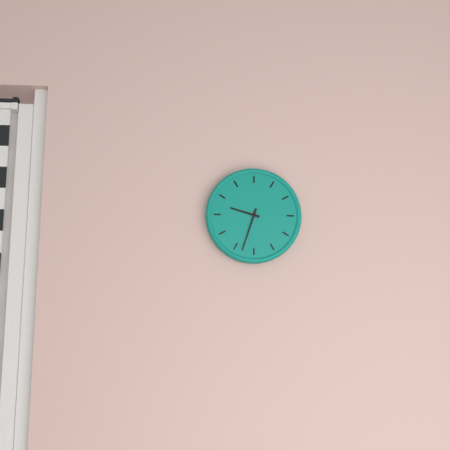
9 h 33 min
